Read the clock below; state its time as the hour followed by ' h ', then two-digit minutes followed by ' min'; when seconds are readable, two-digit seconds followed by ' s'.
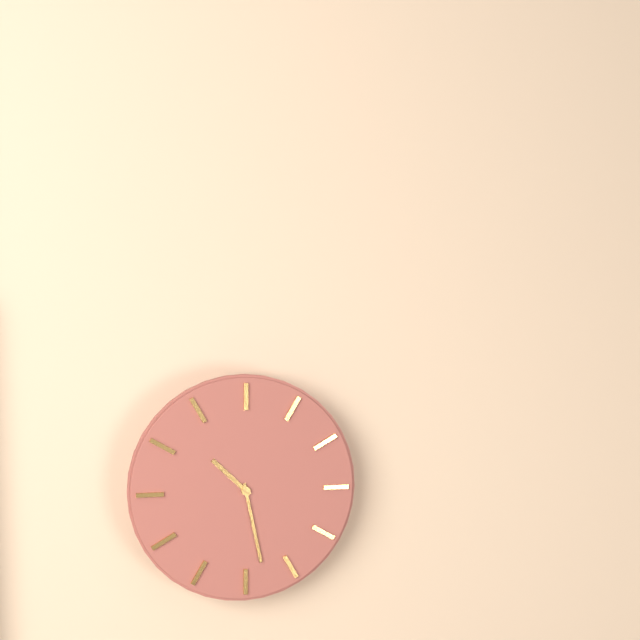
10 h 28 min
